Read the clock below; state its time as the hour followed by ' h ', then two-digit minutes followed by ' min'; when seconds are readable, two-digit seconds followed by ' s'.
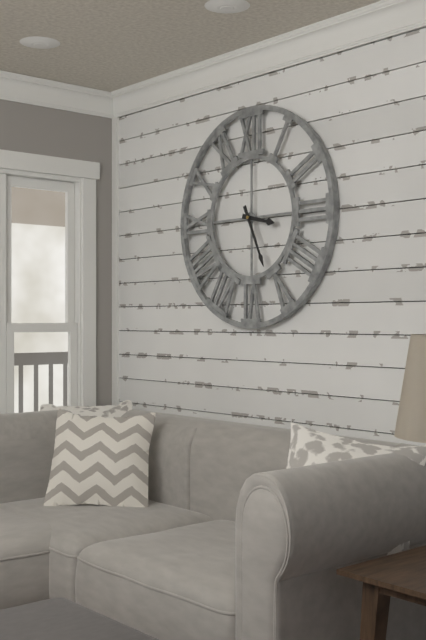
3 h 26 min
